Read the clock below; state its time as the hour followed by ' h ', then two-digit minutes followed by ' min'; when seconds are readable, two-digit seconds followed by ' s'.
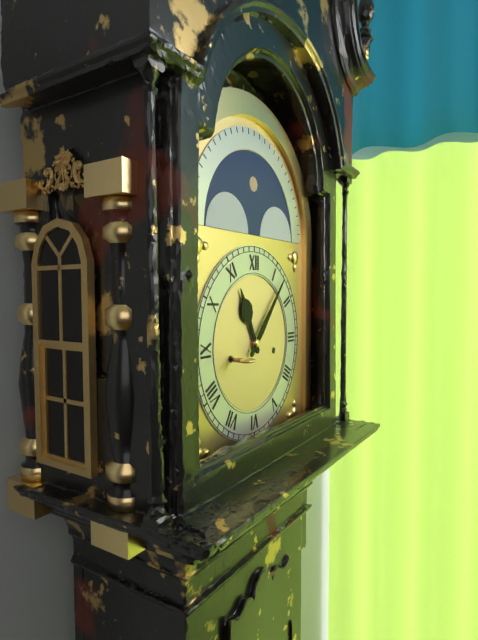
11 h 07 min
